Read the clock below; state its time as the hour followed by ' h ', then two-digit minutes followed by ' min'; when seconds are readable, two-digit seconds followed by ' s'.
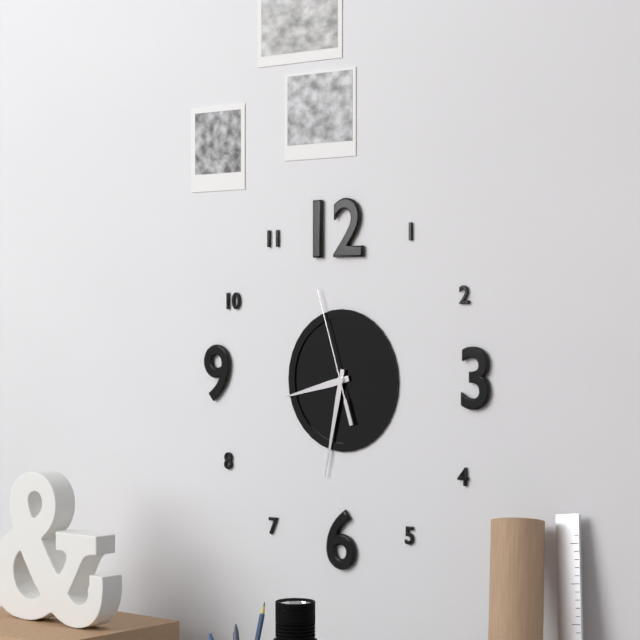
8 h 32 min 57 s
